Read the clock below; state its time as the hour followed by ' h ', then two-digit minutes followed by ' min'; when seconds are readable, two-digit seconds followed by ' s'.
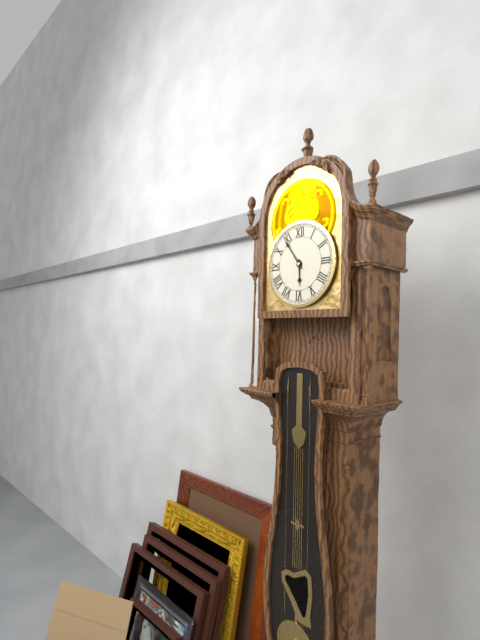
5 h 54 min
